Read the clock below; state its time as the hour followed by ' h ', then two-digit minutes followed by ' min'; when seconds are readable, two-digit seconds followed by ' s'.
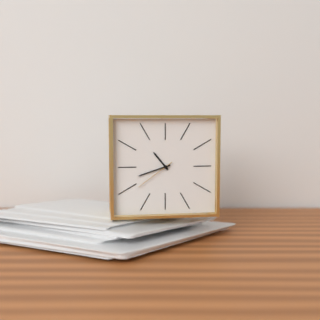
10 h 42 min
